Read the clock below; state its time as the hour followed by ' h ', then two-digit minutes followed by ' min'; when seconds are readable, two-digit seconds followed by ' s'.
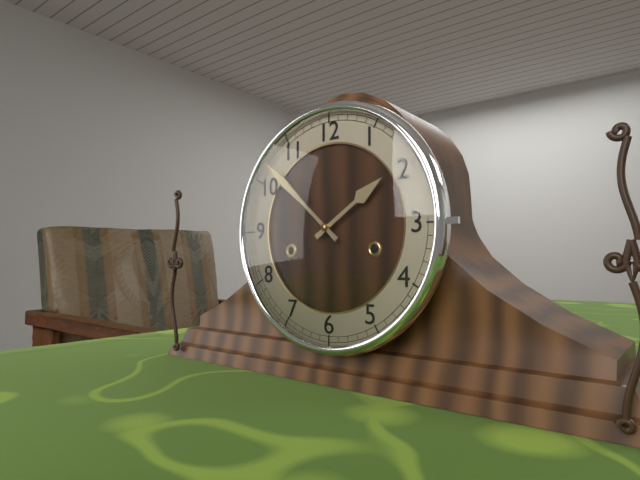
1 h 52 min
